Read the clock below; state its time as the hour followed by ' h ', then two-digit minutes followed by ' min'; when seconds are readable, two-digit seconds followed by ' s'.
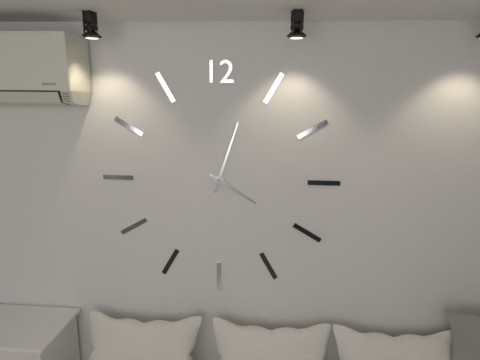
4 h 03 min
